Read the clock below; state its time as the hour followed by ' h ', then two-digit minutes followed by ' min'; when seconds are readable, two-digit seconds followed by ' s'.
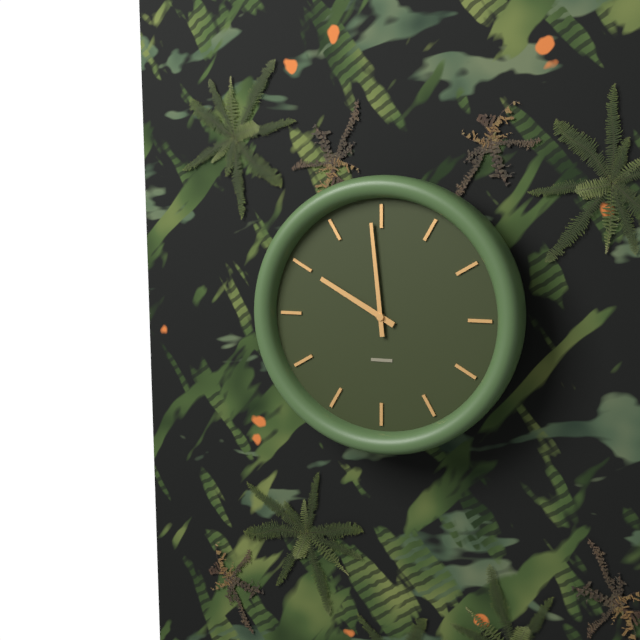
9 h 59 min
